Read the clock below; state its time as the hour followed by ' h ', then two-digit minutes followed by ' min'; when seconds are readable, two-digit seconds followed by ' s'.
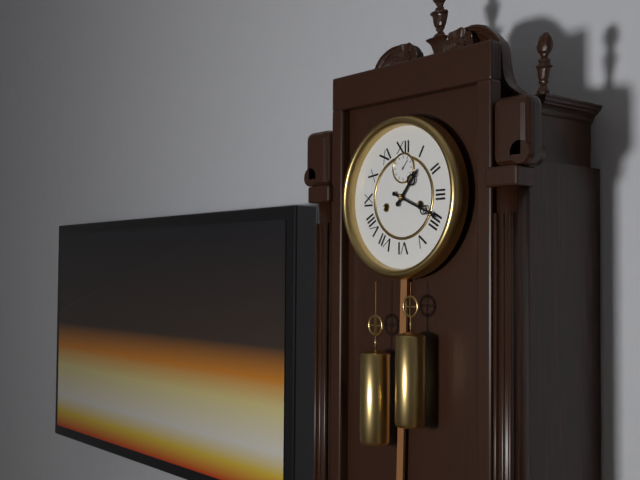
1 h 19 min
